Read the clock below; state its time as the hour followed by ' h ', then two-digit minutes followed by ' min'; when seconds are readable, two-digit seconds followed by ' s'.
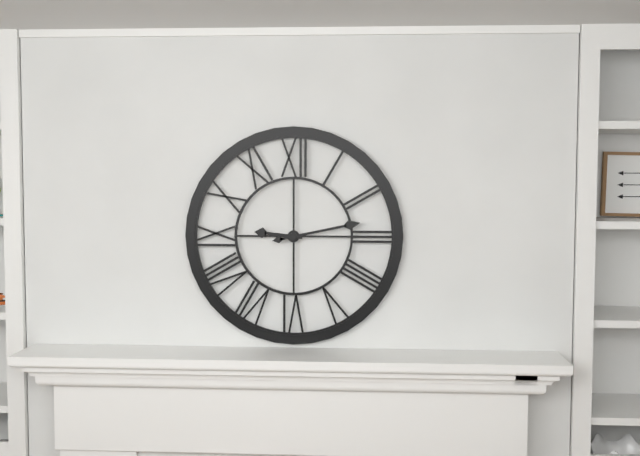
9 h 13 min
